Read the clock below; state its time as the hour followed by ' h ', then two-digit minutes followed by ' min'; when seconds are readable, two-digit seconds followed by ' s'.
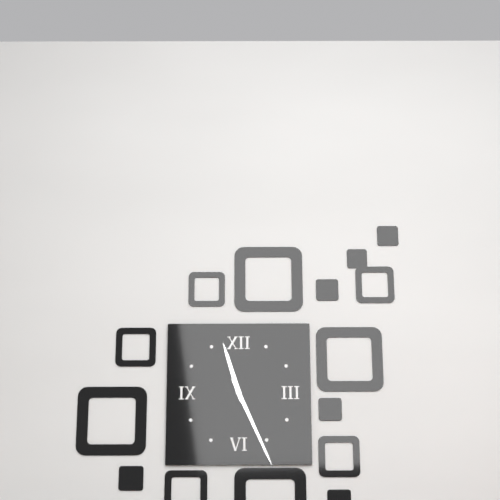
11 h 26 min
